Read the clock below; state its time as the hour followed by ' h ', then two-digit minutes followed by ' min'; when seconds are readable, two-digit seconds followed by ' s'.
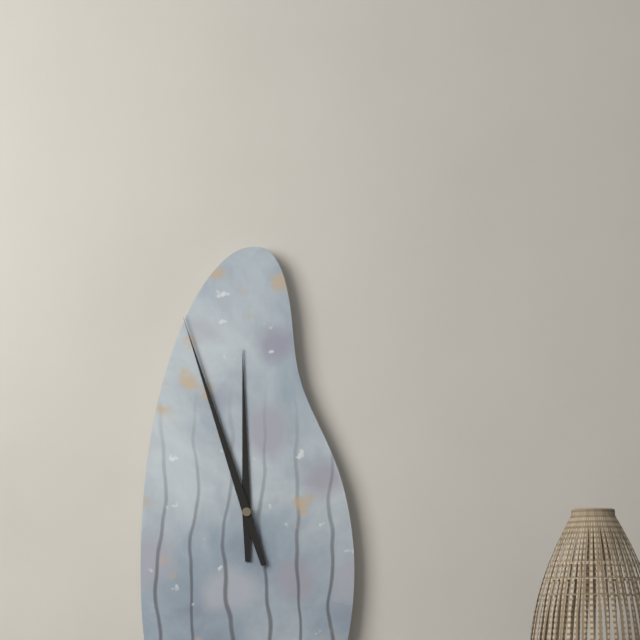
11 h 57 min
